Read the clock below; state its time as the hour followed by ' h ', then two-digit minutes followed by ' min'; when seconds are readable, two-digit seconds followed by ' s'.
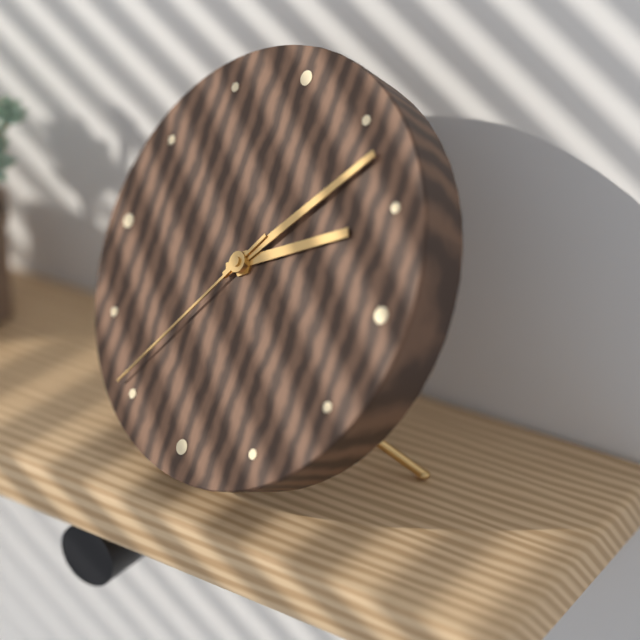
2 h 07 min 36 s
